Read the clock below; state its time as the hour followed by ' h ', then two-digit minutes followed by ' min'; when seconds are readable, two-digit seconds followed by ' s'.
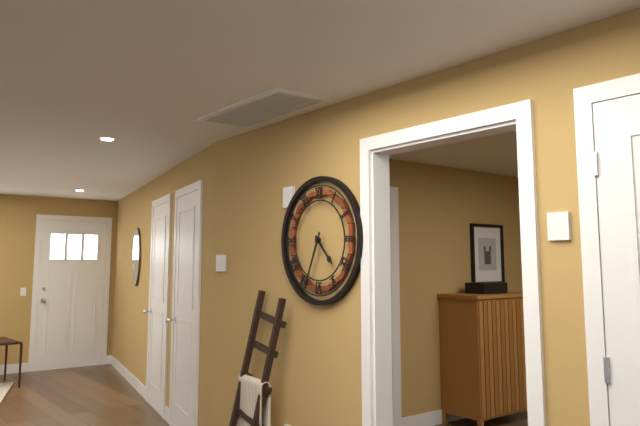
4 h 34 min
